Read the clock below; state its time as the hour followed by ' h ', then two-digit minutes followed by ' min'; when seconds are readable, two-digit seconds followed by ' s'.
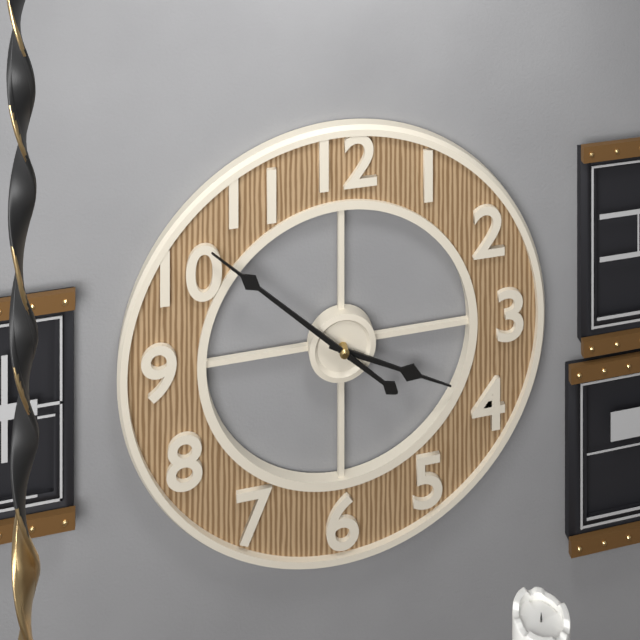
3 h 52 min
